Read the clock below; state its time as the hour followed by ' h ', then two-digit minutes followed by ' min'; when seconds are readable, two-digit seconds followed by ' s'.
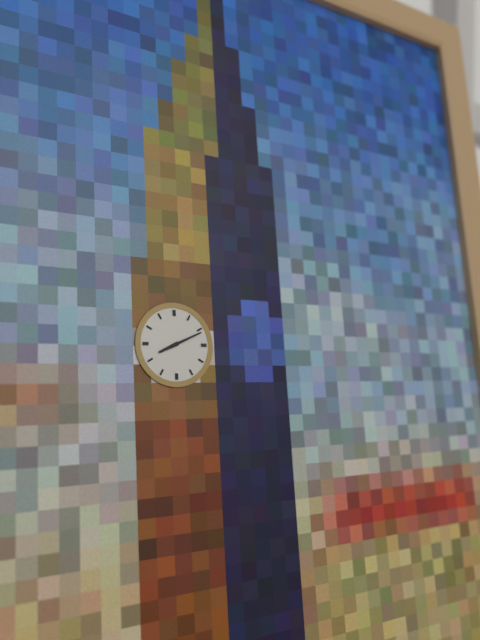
8 h 11 min
